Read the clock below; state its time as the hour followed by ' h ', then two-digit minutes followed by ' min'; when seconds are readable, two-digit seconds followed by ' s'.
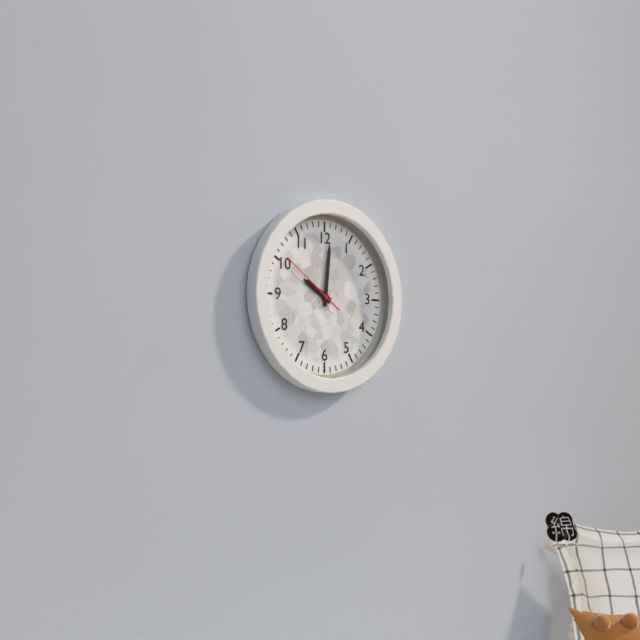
10 h 01 min 51 s
